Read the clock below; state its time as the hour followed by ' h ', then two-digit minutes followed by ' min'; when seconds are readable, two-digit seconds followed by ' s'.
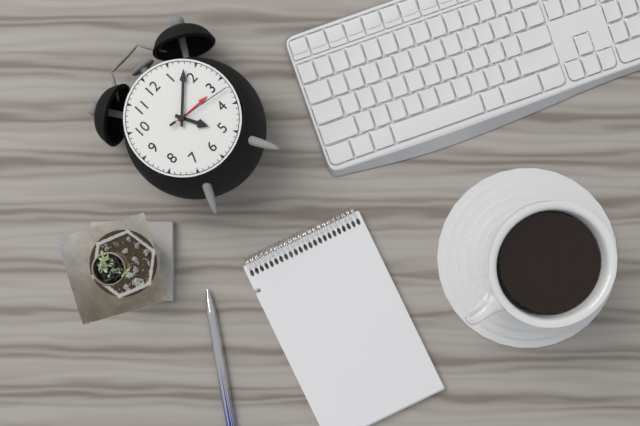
5 h 08 min 17 s
